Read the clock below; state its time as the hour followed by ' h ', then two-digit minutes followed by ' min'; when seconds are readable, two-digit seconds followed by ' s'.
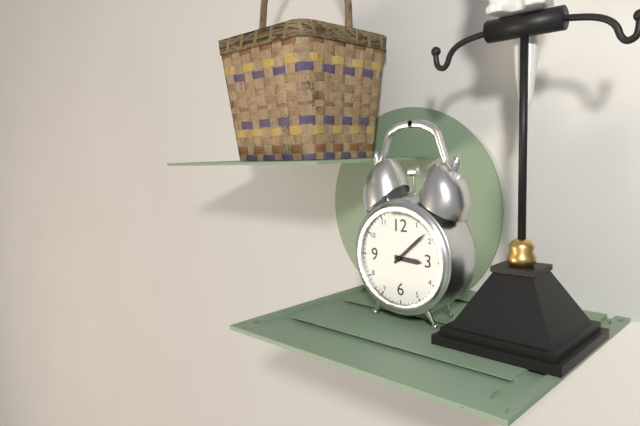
3 h 08 min
